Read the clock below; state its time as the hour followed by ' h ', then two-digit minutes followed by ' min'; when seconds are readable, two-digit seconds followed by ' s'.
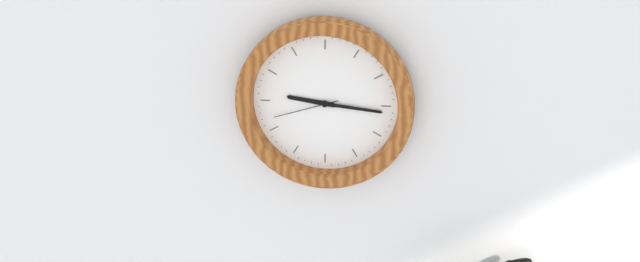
9 h 16 min 42 s
